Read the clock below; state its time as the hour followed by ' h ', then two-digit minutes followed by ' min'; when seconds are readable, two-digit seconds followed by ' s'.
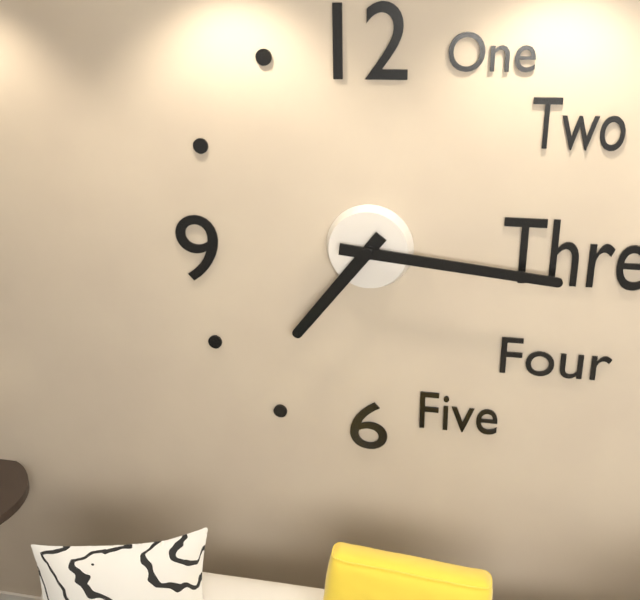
7 h 16 min
